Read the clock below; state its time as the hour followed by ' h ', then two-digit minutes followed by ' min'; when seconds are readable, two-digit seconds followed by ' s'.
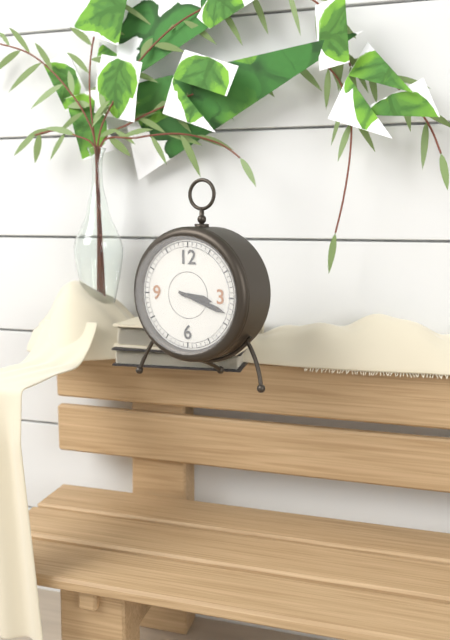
3 h 18 min
